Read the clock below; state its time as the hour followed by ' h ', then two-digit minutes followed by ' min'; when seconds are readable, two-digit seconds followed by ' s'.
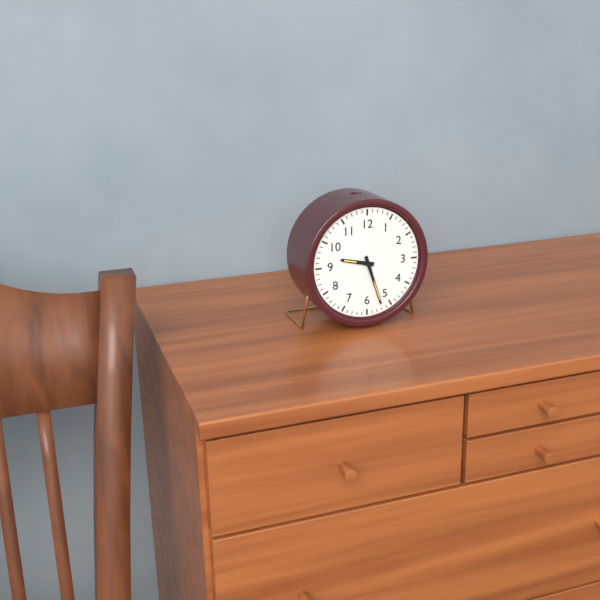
9 h 27 min
